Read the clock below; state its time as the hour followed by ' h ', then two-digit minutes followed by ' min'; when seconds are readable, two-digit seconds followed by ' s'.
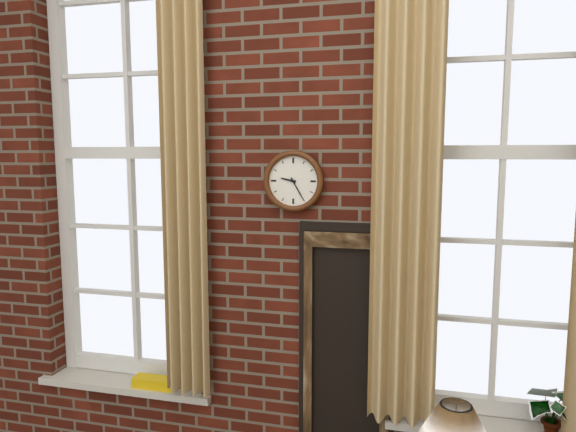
9 h 25 min
